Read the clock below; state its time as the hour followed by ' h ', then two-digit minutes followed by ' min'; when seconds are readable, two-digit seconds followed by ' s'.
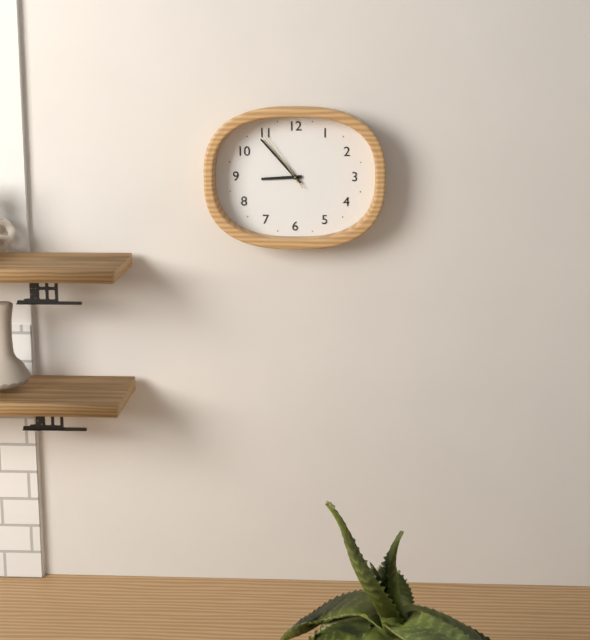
8 h 53 min 54 s
